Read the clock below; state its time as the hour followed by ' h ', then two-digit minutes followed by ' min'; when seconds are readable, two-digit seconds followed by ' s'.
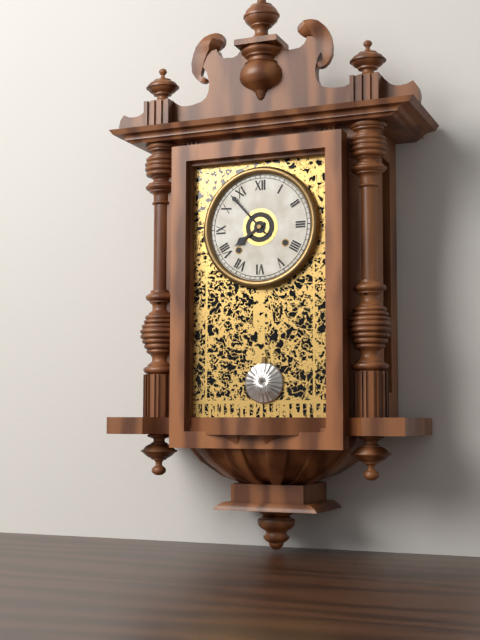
7 h 53 min
